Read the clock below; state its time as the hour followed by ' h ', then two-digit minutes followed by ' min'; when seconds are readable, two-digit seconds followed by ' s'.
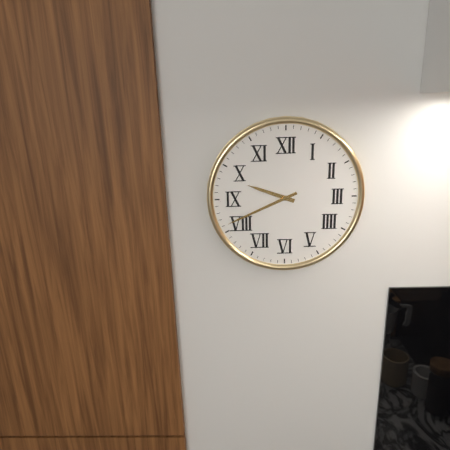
9 h 41 min
